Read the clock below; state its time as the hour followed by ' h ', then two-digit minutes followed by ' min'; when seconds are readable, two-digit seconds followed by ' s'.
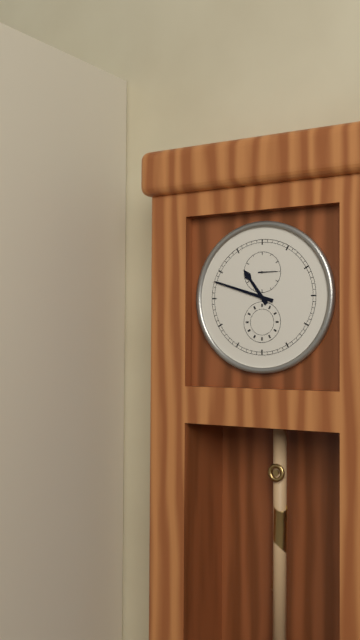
10 h 48 min
